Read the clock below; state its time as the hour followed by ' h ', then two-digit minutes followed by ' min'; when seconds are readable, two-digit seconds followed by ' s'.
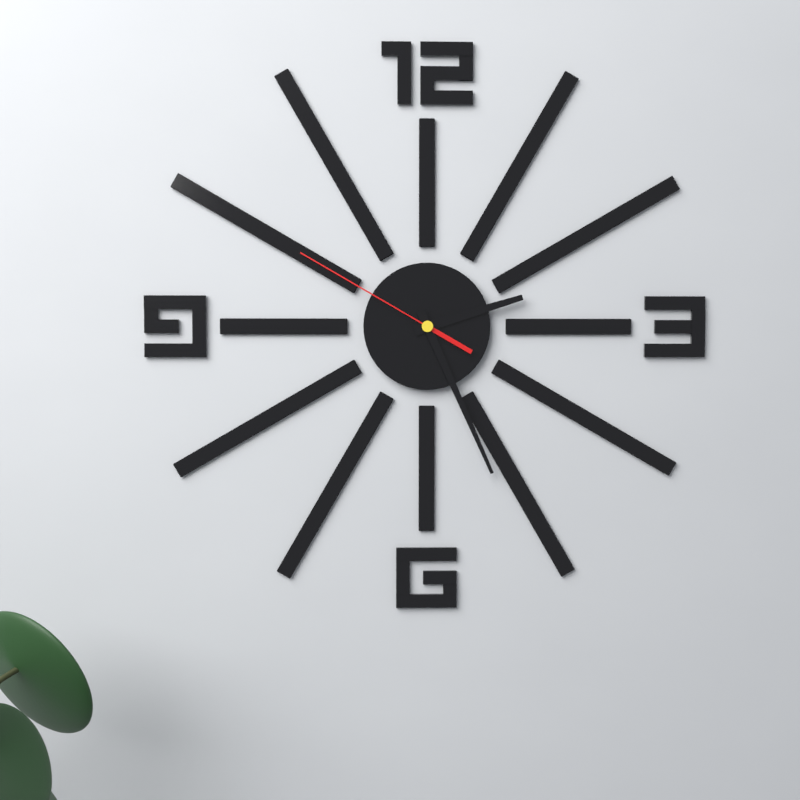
2 h 26 min 50 s
